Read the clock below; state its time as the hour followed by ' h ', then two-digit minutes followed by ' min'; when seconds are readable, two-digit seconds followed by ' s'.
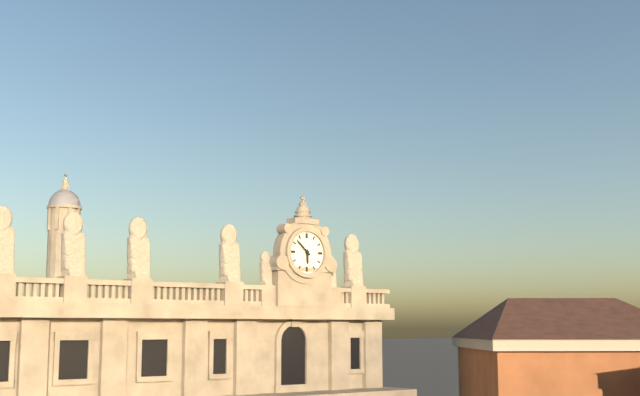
5 h 52 min
